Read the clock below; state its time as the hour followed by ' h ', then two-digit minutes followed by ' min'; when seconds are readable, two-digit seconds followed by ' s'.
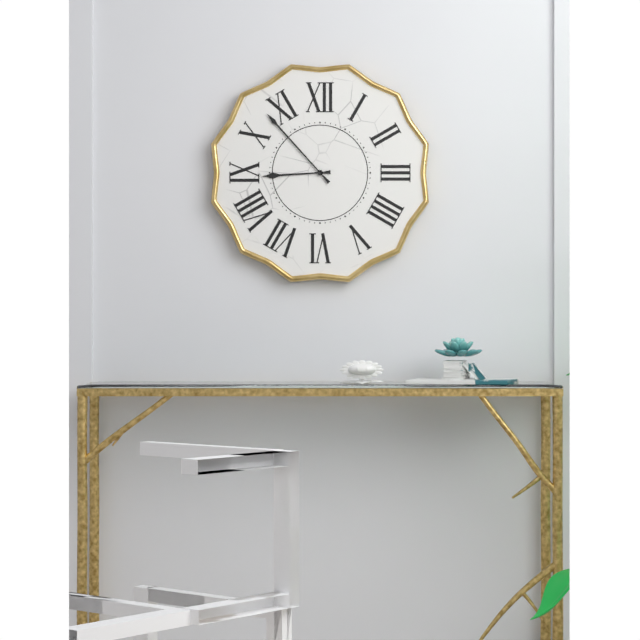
8 h 53 min
